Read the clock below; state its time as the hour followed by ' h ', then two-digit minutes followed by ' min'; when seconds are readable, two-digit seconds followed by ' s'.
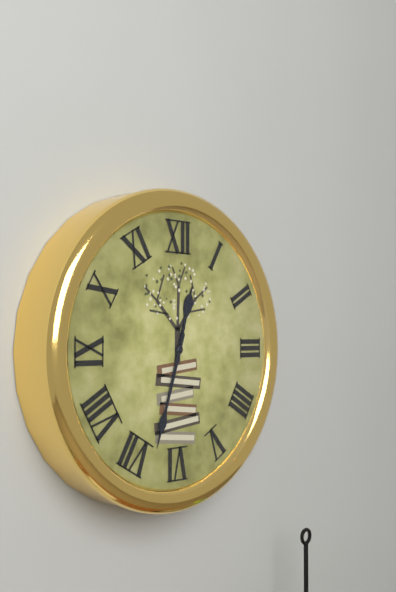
12 h 33 min
